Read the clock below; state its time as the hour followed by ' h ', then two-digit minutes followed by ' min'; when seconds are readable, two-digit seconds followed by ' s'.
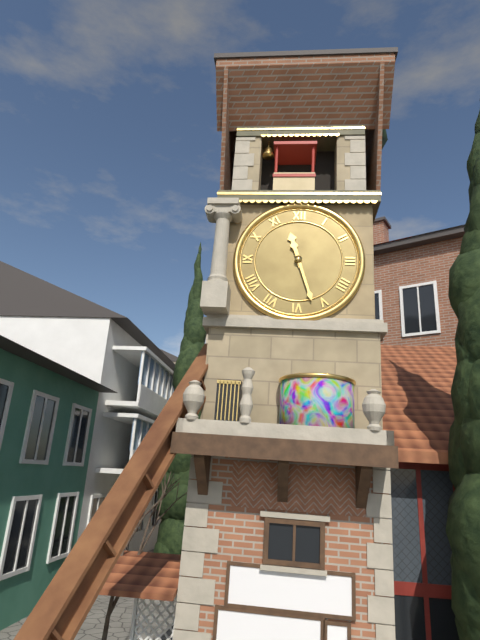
11 h 27 min
